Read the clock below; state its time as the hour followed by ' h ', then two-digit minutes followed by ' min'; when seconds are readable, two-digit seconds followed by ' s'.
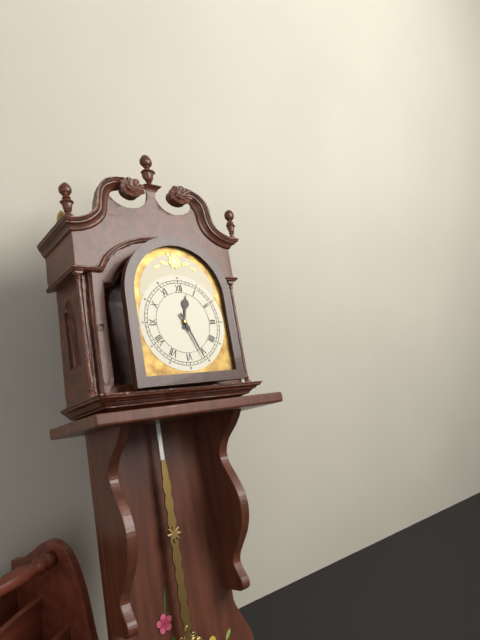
12 h 26 min
